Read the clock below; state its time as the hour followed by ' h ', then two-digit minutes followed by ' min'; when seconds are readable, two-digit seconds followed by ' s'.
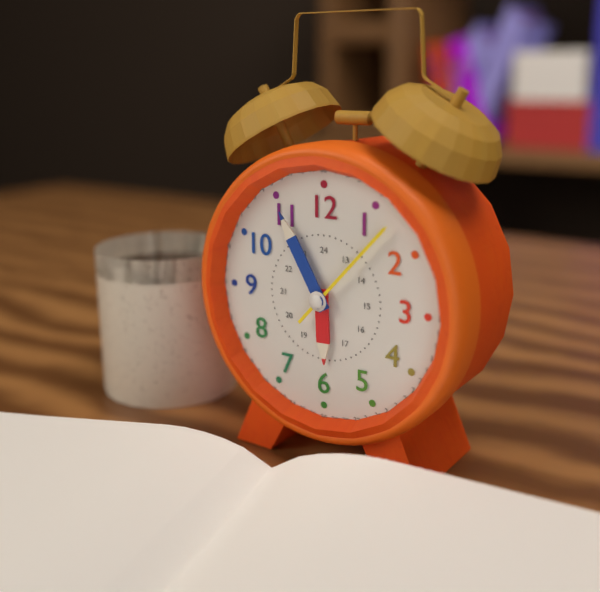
5 h 55 min 07 s
